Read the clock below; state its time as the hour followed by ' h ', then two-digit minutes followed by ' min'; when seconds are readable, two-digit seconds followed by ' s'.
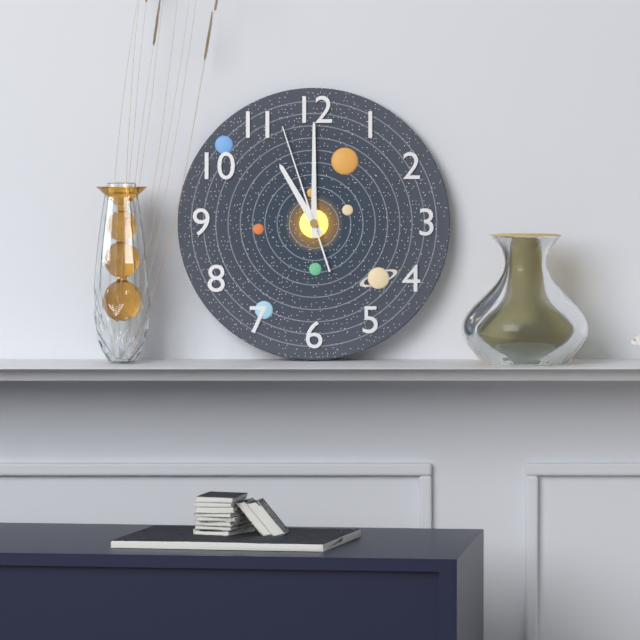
11 h 00 min 57 s
